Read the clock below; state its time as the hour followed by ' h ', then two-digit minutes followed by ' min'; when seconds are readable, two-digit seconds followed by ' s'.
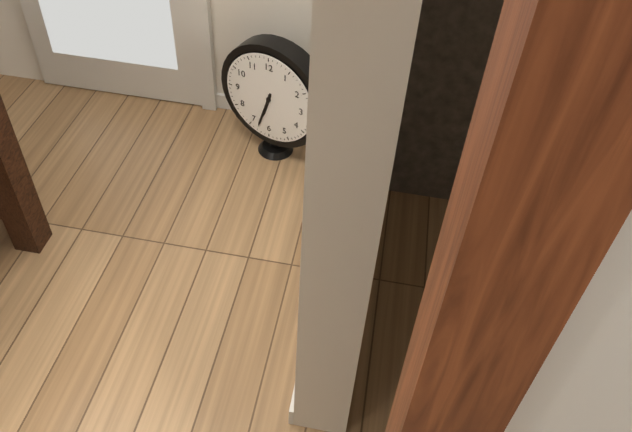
6 h 33 min
